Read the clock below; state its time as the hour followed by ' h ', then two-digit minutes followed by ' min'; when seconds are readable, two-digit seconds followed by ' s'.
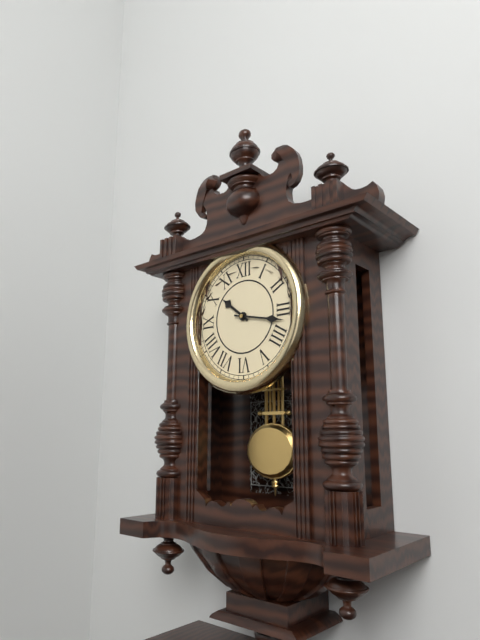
10 h 17 min
